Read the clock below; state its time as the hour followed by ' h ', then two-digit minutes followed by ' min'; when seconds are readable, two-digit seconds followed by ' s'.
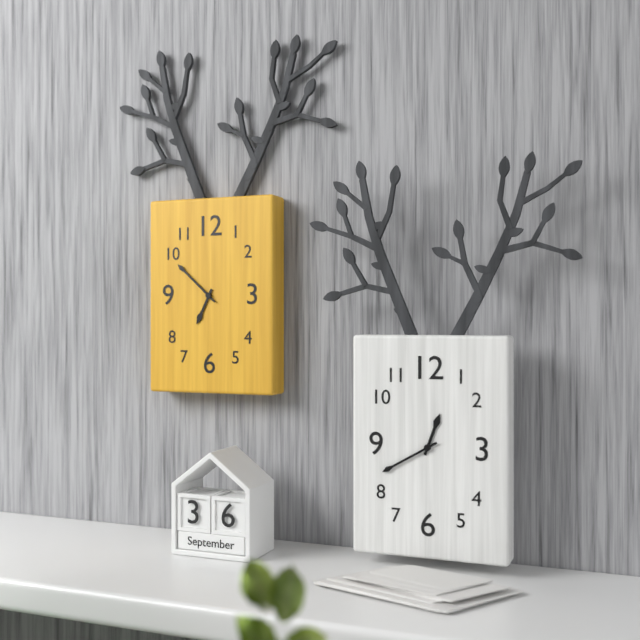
6 h 52 min
